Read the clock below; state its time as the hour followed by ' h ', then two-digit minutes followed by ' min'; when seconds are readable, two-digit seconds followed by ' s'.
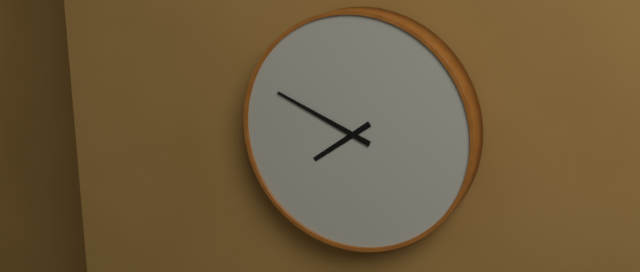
7 h 49 min
